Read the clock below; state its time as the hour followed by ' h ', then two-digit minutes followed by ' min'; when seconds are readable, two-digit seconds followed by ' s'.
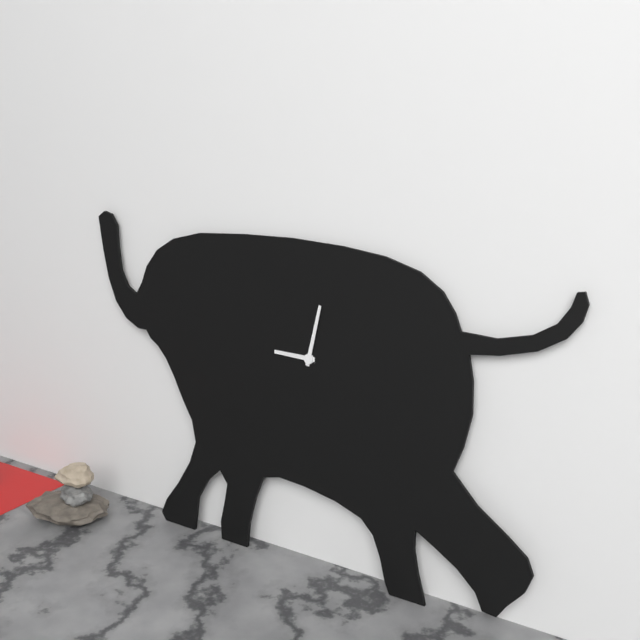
9 h 02 min
